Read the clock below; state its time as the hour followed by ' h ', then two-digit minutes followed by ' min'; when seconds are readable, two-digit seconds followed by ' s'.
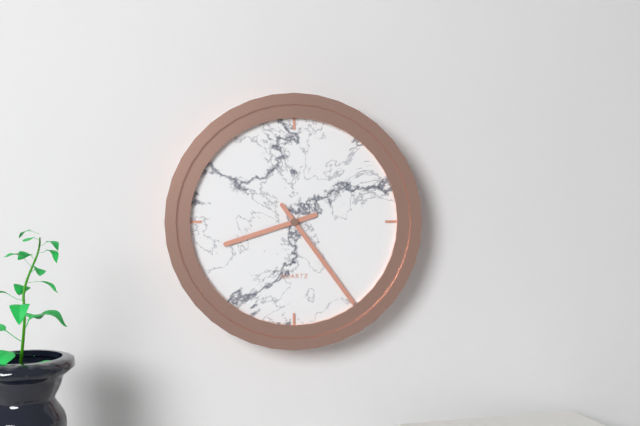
8 h 24 min
